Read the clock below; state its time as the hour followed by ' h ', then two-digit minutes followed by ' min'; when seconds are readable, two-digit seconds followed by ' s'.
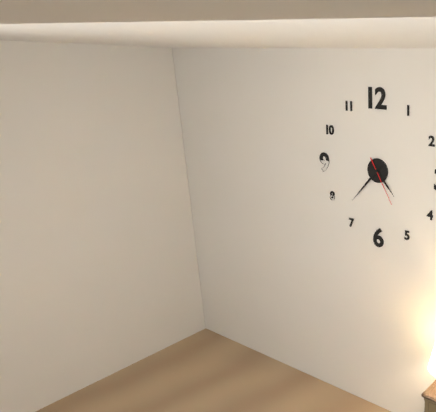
4 h 37 min
